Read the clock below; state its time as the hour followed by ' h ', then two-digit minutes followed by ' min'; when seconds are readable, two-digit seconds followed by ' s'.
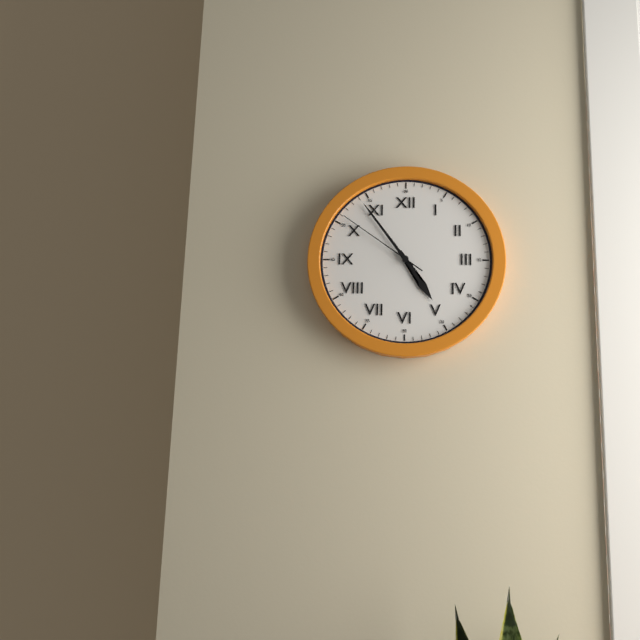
4 h 54 min 51 s
